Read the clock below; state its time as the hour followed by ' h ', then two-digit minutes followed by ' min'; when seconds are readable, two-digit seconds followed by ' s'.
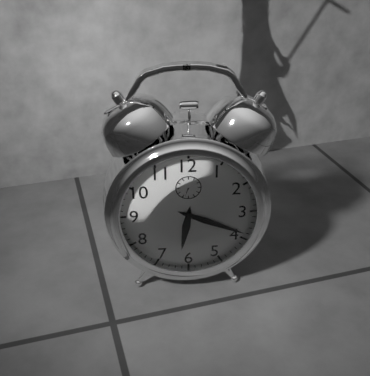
6 h 19 min
